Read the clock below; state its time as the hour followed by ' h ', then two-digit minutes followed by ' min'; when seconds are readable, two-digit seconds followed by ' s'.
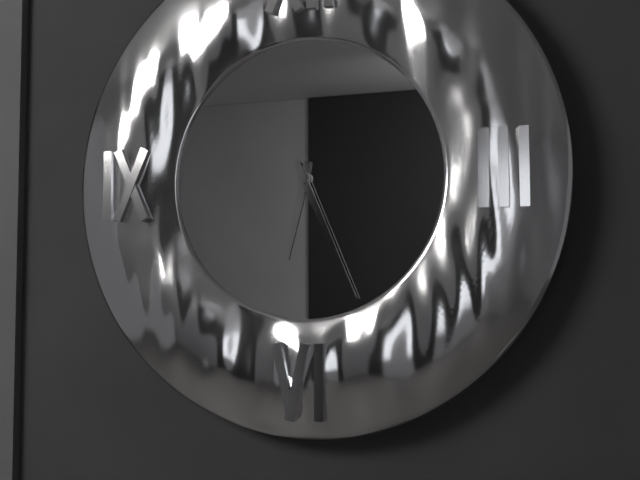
6 h 26 min
